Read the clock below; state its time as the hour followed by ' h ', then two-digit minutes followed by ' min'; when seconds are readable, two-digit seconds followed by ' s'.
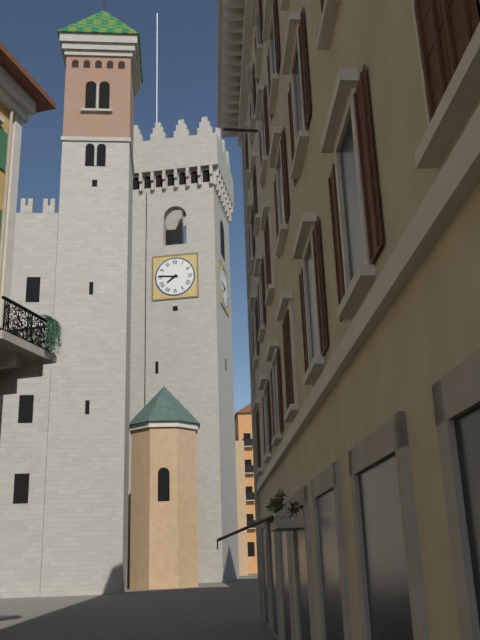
7 h 46 min
